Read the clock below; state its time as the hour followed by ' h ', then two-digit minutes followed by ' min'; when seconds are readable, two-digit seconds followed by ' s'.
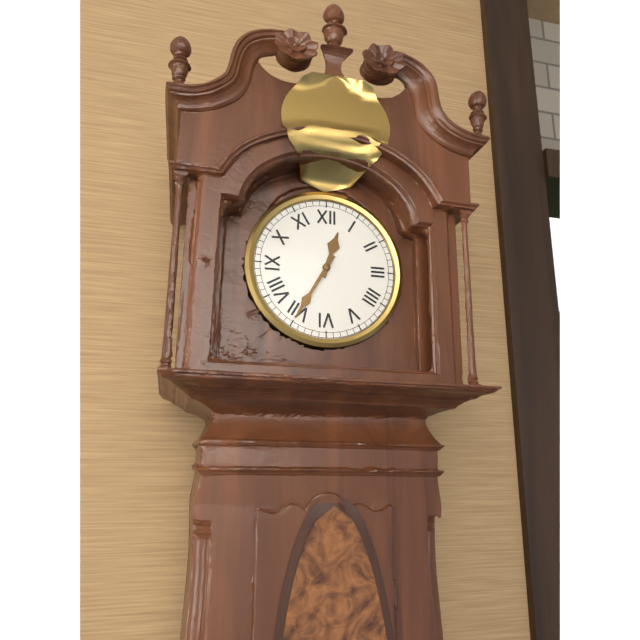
12 h 35 min
